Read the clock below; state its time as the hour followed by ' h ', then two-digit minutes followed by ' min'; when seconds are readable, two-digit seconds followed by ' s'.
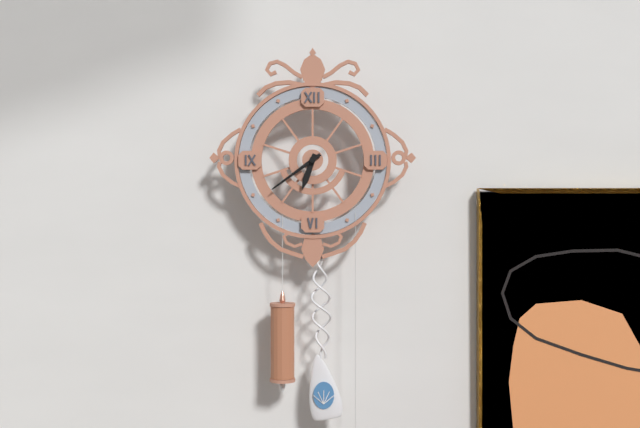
6 h 39 min
